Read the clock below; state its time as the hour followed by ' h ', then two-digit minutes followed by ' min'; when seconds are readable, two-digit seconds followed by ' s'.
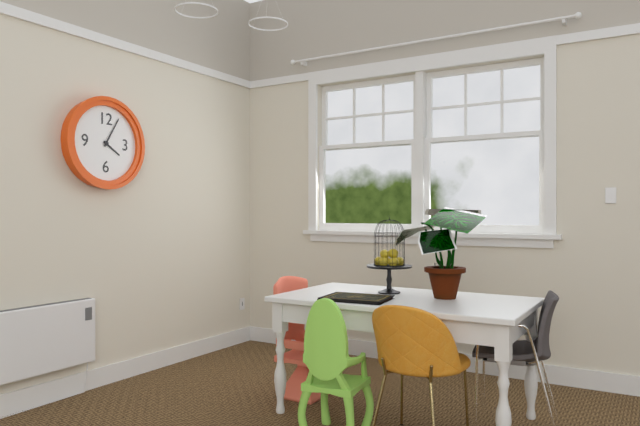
4 h 05 min
